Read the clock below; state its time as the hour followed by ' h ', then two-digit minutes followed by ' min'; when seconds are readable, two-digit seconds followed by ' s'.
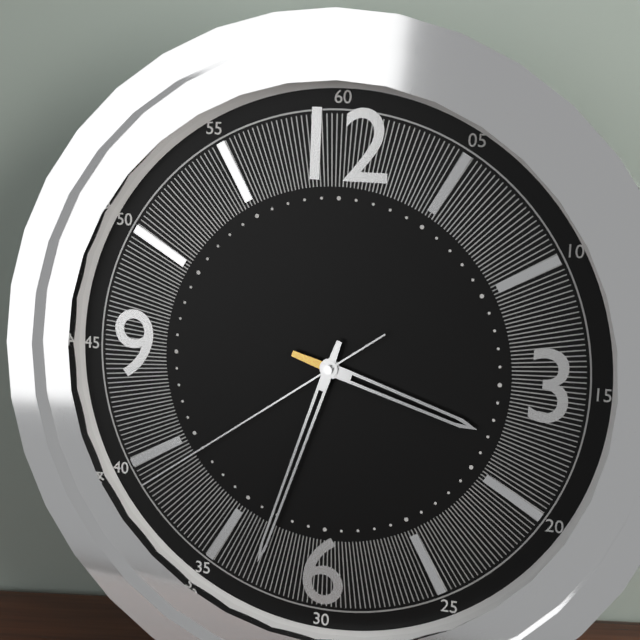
3 h 33 min 39 s
